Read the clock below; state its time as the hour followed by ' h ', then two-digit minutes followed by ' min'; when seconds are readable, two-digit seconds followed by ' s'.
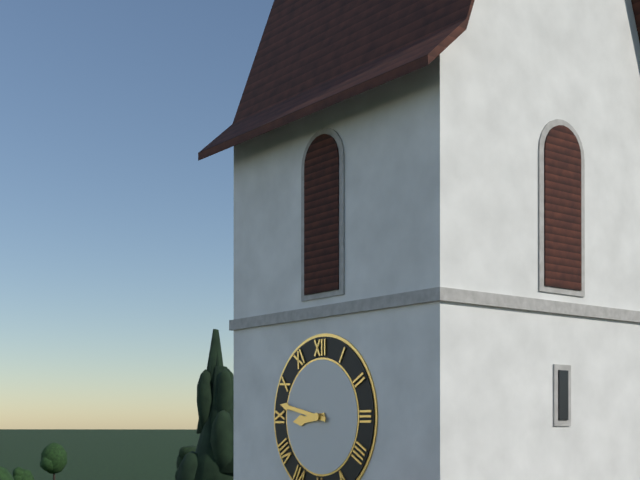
8 h 47 min
